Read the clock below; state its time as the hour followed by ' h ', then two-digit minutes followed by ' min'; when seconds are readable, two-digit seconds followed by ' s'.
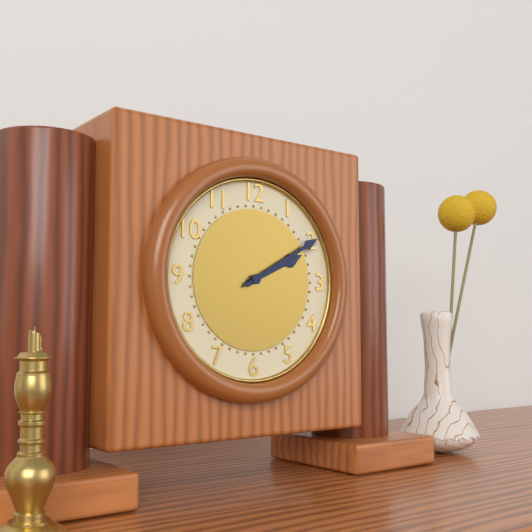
2 h 10 min
